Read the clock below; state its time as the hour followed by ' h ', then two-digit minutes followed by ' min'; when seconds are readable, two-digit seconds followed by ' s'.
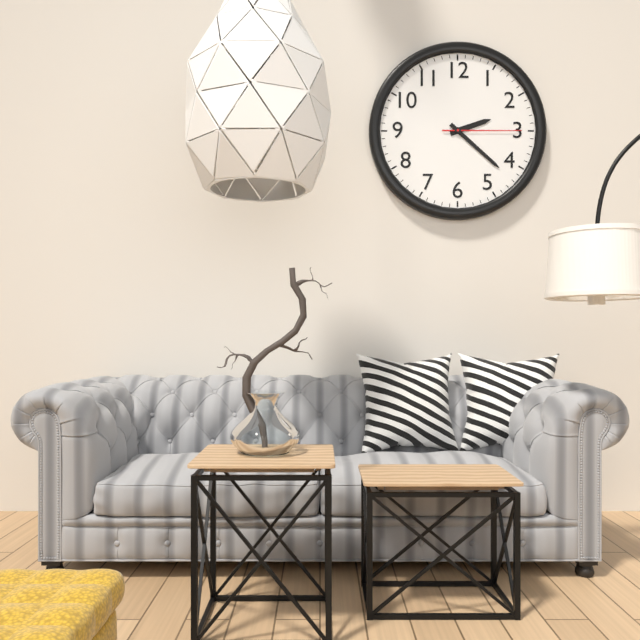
2 h 22 min 15 s
